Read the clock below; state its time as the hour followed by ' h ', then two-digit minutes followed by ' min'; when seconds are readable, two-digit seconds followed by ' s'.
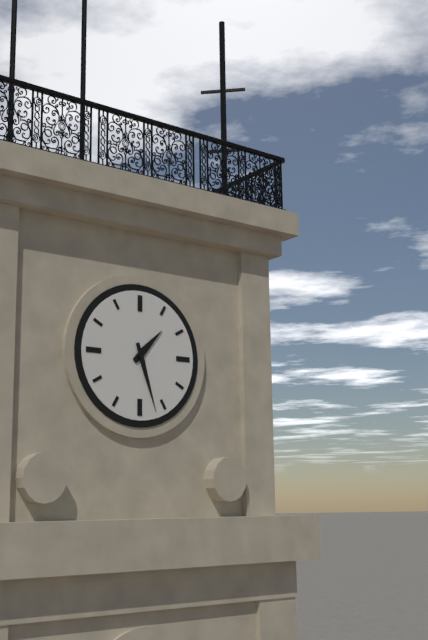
1 h 27 min
